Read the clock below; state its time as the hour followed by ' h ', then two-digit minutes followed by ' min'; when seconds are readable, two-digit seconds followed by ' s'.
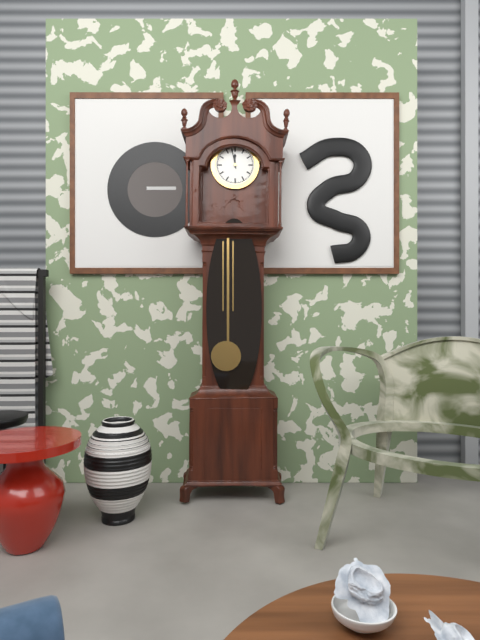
11 h 58 min
